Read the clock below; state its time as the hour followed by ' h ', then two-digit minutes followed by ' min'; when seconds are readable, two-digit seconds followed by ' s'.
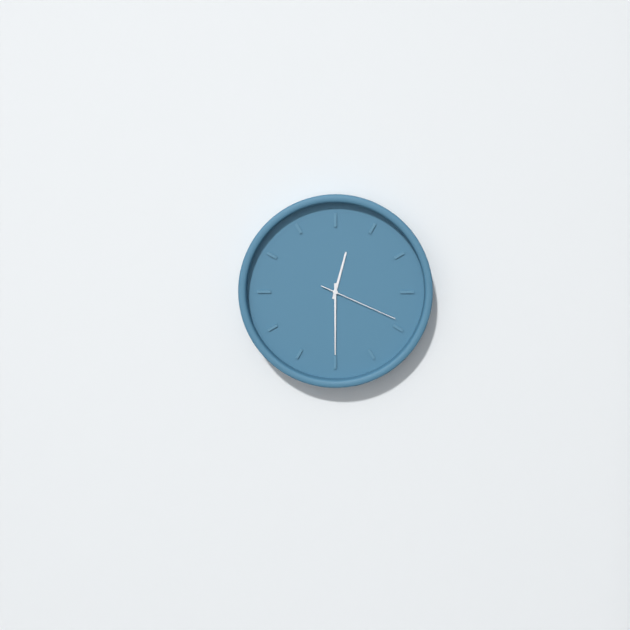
12 h 30 min 19 s
